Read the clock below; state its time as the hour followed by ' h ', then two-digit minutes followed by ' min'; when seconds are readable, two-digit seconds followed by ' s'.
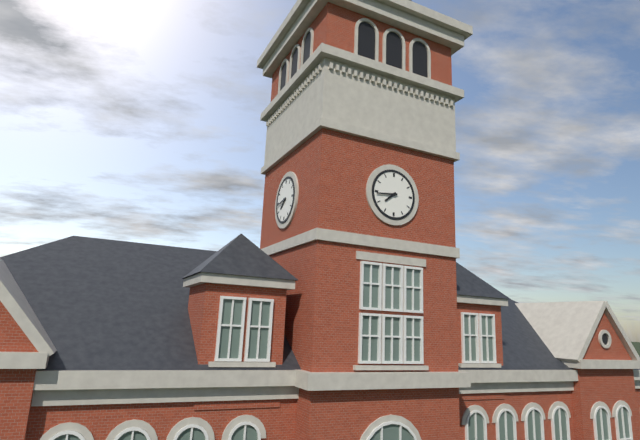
7 h 44 min
